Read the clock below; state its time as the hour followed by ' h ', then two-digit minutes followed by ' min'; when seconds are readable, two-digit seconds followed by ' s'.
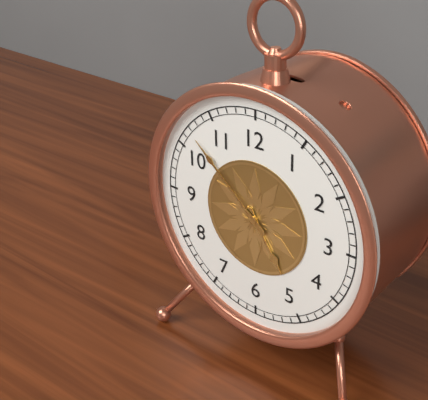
4 h 52 min
